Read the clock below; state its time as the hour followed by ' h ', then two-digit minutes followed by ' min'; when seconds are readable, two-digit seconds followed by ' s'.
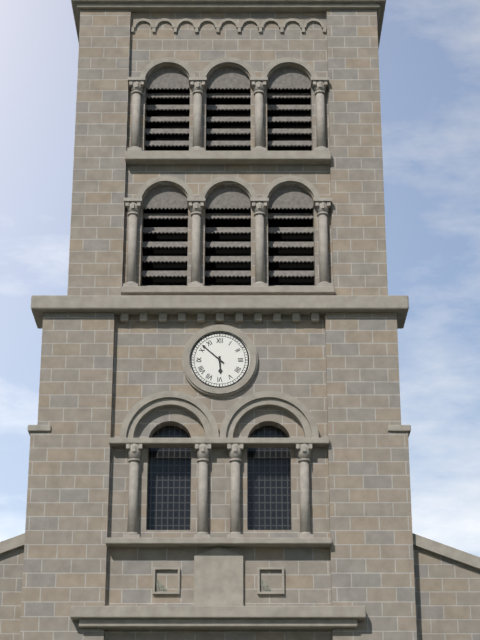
5 h 52 min
